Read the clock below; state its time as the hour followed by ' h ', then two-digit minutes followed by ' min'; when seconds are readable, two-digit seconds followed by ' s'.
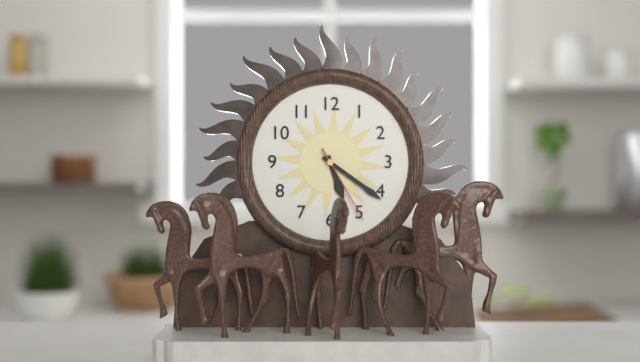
5 h 21 min 25 s
